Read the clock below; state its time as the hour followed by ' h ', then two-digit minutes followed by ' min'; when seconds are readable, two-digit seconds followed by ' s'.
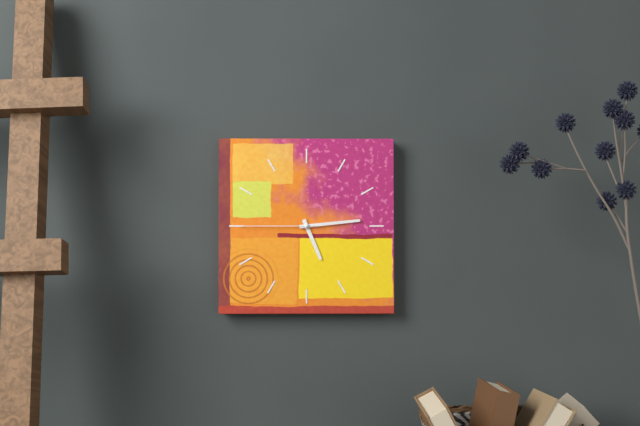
5 h 14 min 45 s
